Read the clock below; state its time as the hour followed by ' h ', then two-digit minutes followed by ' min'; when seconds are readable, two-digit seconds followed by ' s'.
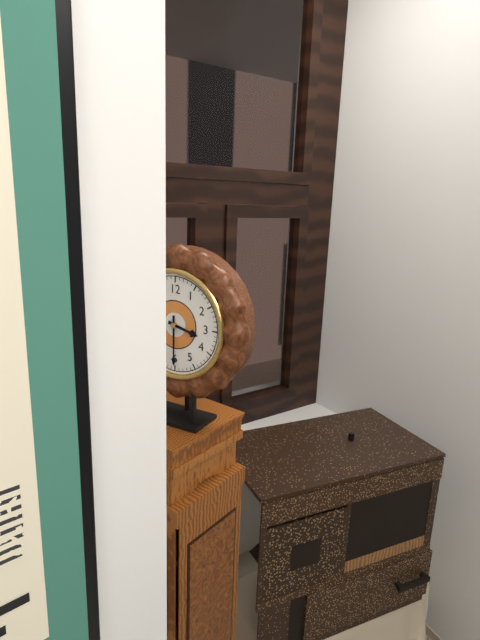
3 h 30 min
